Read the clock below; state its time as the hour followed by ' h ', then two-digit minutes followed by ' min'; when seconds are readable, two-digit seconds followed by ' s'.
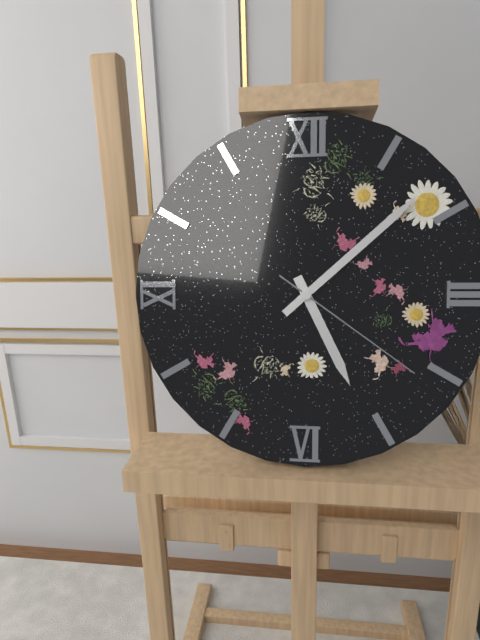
5 h 08 min 21 s
